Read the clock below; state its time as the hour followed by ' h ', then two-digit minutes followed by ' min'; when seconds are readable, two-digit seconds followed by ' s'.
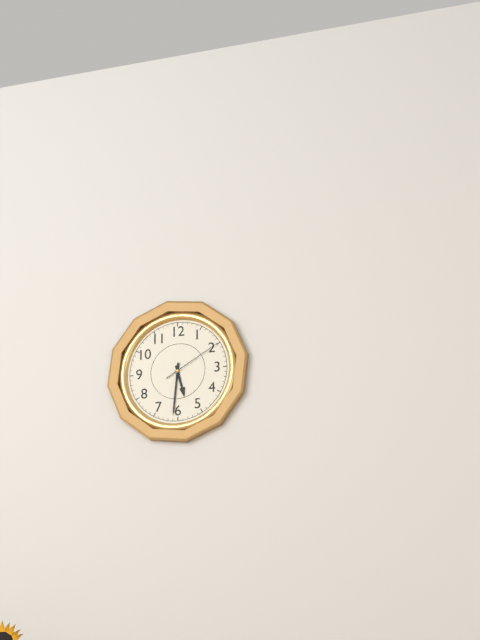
5 h 31 min 10 s
